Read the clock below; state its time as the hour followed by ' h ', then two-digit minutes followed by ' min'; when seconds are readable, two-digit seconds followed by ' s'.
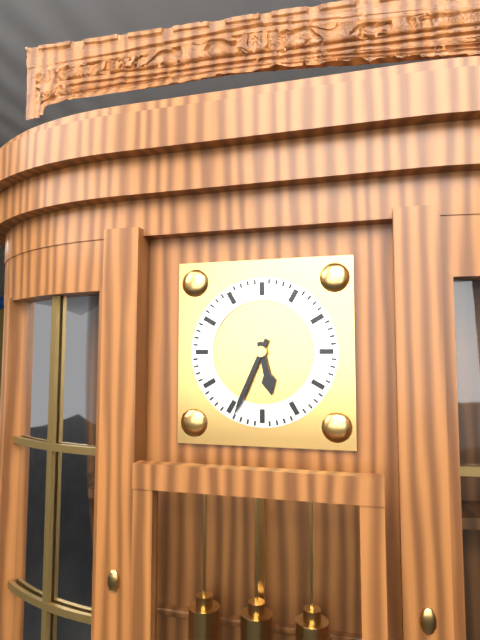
5 h 34 min
